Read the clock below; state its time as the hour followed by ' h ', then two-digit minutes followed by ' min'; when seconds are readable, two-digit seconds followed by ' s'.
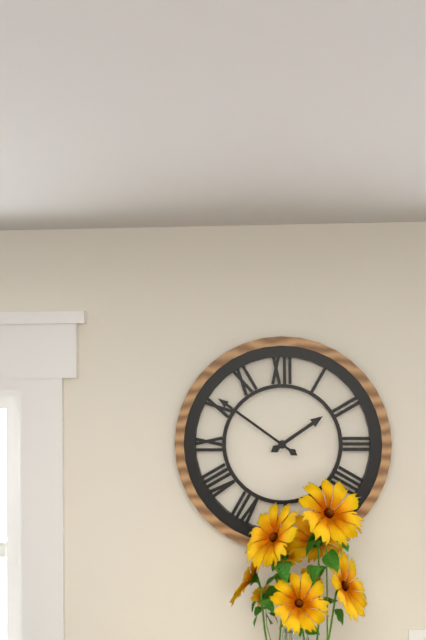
1 h 51 min
